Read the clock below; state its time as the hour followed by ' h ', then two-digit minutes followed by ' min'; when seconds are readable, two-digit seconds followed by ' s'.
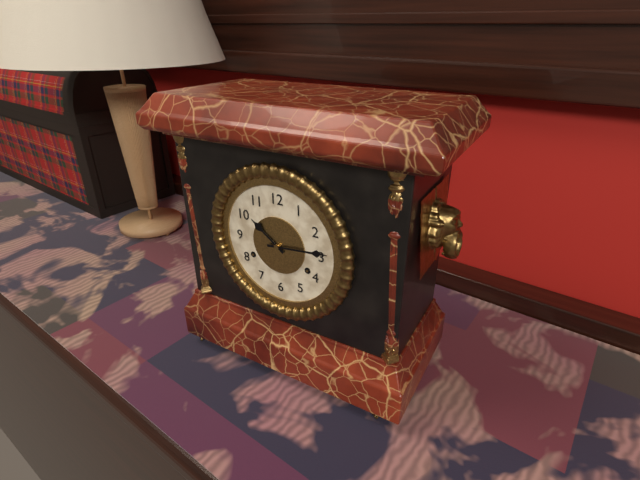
10 h 14 min
